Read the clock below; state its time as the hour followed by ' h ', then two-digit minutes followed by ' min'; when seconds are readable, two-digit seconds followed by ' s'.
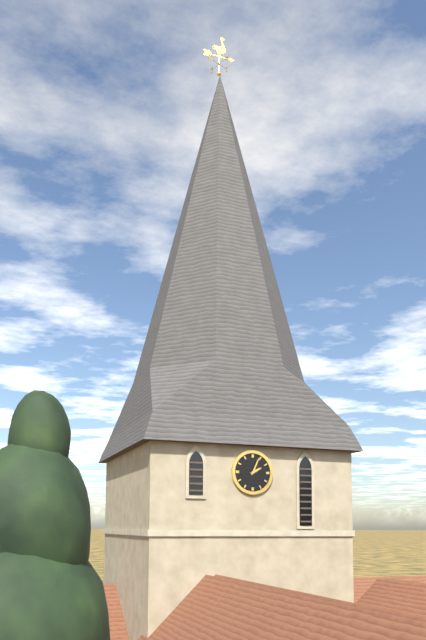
2 h 04 min
